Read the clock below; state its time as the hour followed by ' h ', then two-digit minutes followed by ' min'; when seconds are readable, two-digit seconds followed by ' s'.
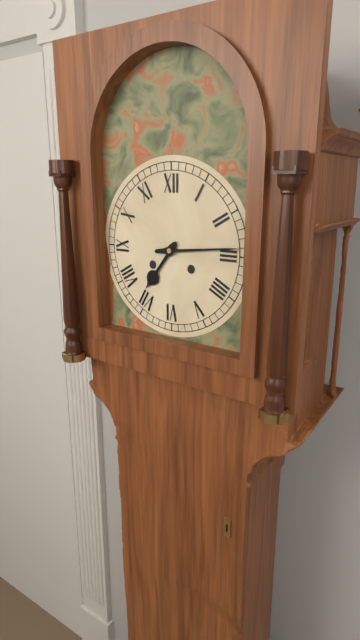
7 h 14 min
